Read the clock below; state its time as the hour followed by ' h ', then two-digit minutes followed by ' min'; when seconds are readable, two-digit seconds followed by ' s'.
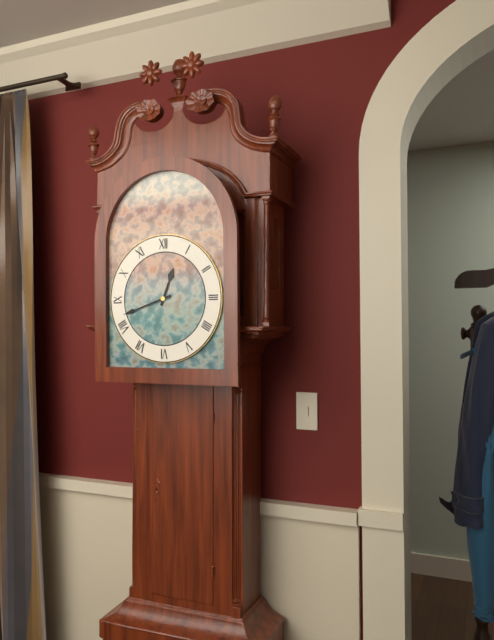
12 h 42 min
